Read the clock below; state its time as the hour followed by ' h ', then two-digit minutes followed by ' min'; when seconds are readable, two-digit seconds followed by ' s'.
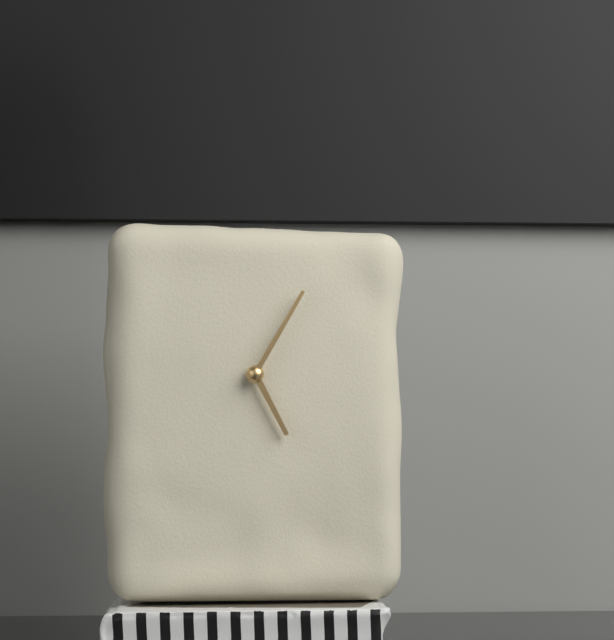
5 h 05 min
